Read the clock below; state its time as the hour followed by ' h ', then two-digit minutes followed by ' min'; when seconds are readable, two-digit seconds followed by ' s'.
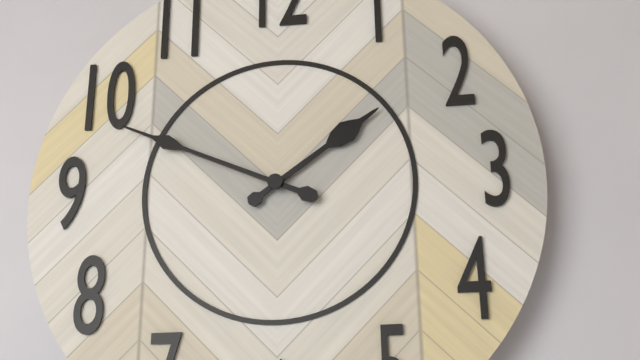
1 h 49 min
